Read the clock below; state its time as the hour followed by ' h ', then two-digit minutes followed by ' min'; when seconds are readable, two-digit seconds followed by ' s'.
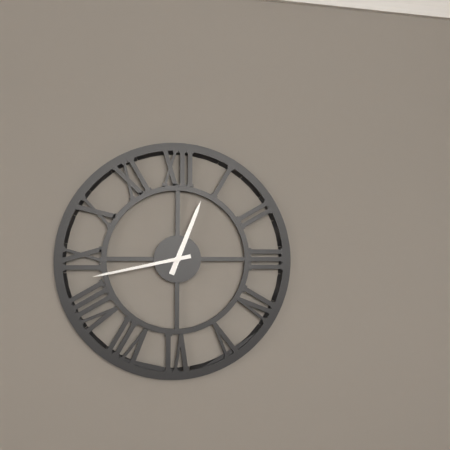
12 h 43 min
